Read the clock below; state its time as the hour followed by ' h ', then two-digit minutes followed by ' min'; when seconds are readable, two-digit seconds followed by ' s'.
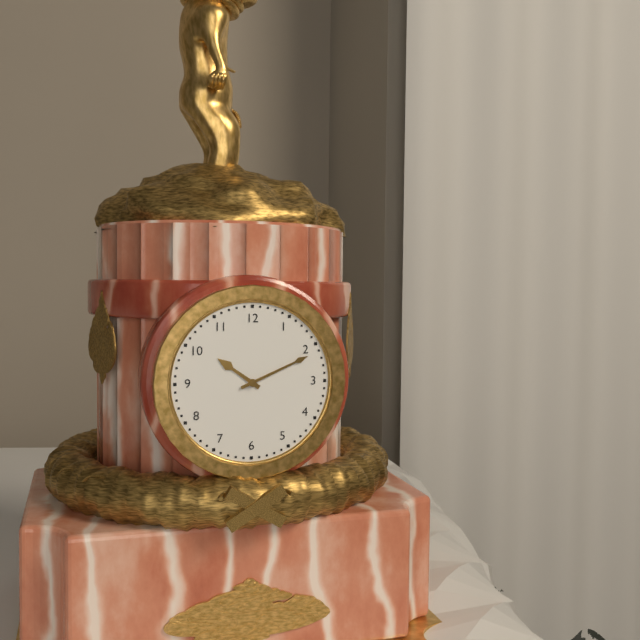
10 h 11 min
